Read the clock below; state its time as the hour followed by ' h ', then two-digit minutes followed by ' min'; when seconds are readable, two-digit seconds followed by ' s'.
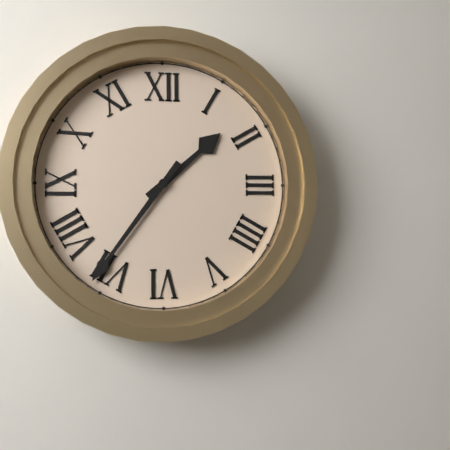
1 h 36 min
